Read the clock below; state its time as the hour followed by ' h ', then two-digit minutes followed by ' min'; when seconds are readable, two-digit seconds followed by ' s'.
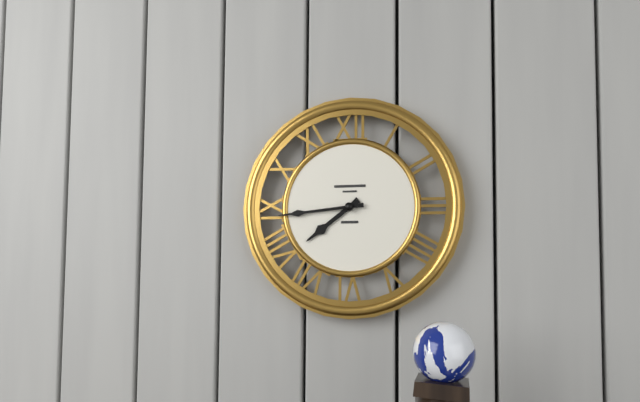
7 h 44 min
